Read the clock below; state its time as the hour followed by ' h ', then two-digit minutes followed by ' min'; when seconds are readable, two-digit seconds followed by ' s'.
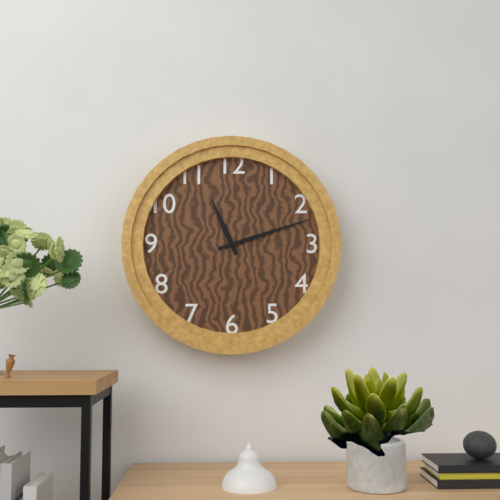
11 h 12 min
